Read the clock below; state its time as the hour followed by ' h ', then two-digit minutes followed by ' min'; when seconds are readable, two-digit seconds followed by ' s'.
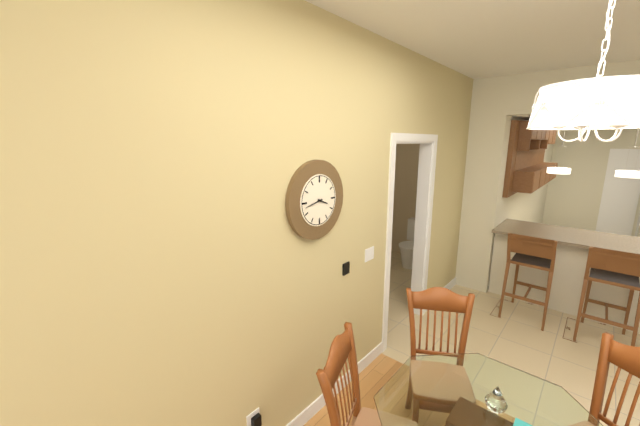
3 h 43 min
